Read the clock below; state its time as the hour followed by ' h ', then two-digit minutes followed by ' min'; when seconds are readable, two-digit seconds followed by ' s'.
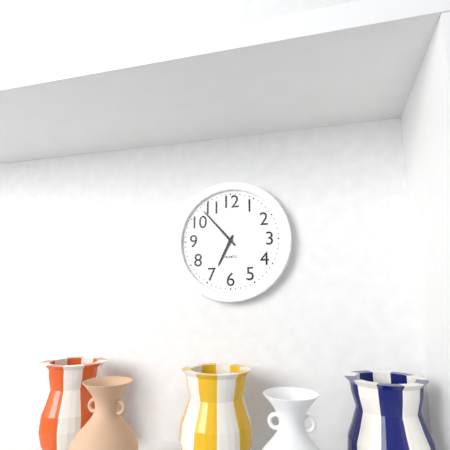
6 h 53 min
